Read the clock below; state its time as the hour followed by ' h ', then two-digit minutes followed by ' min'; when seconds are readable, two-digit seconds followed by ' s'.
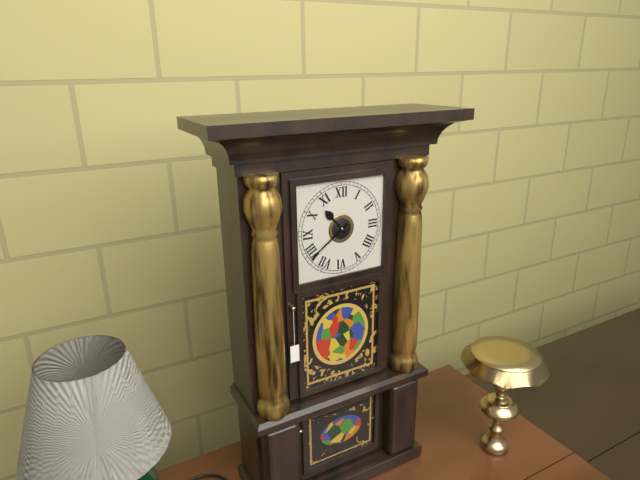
10 h 39 min
